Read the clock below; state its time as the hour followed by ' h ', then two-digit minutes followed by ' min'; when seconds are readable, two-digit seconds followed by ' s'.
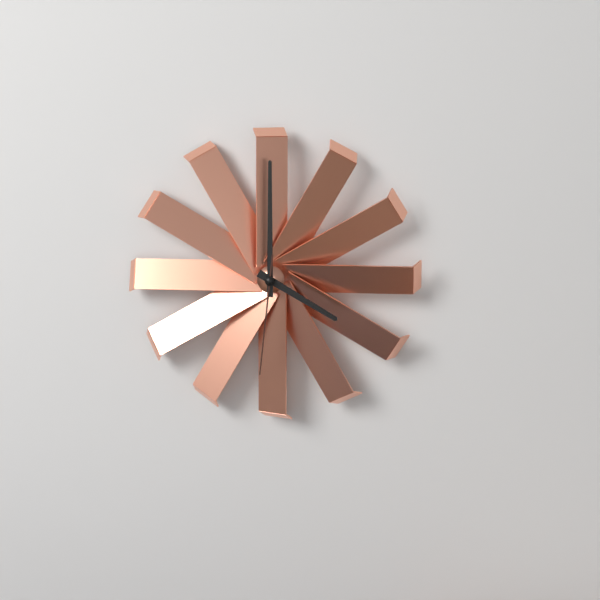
4 h 00 min 31 s
